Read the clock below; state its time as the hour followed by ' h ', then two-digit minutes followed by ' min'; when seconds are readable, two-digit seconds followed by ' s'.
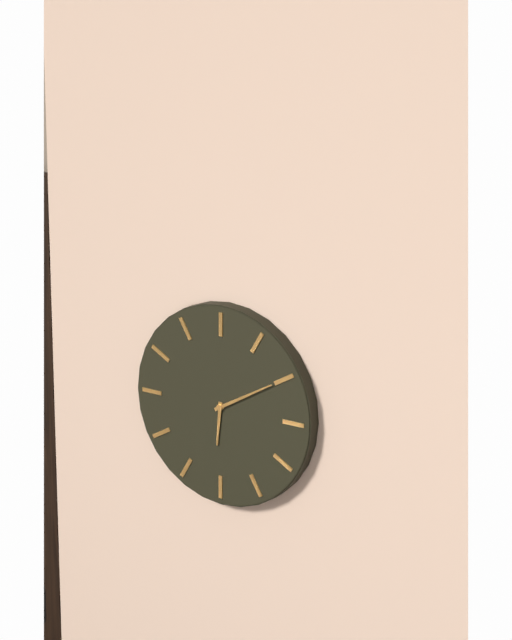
6 h 10 min
